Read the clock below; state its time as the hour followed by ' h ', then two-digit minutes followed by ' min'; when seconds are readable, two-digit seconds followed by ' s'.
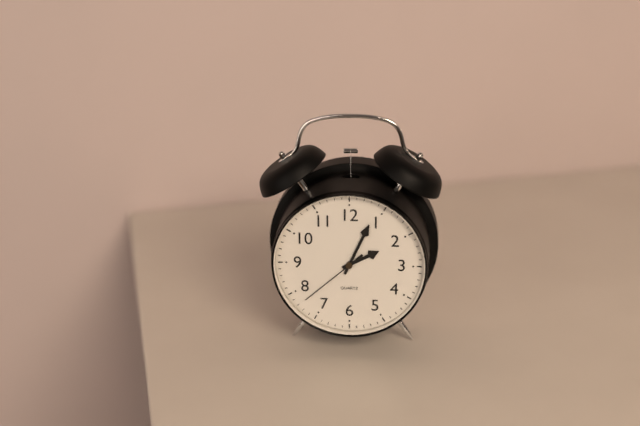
2 h 04 min 38 s
